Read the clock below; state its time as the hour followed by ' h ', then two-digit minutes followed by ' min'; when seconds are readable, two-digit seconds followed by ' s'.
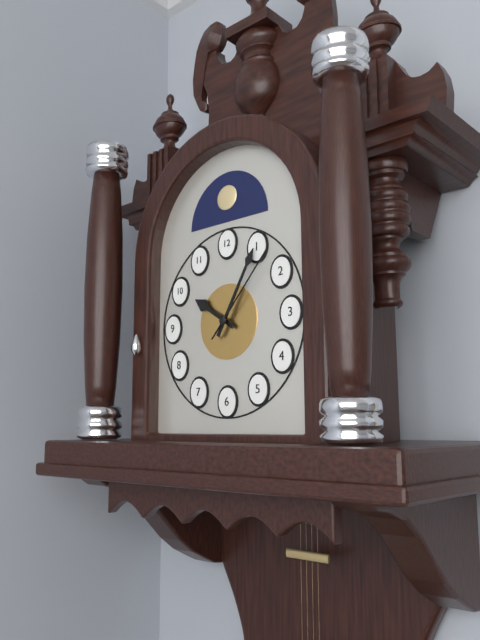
10 h 05 min 07 s
